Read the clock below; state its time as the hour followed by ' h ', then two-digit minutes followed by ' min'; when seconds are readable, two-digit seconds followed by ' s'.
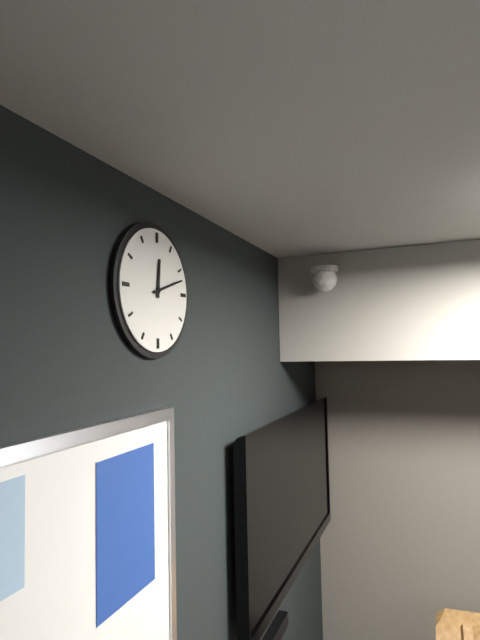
12 h 12 min
